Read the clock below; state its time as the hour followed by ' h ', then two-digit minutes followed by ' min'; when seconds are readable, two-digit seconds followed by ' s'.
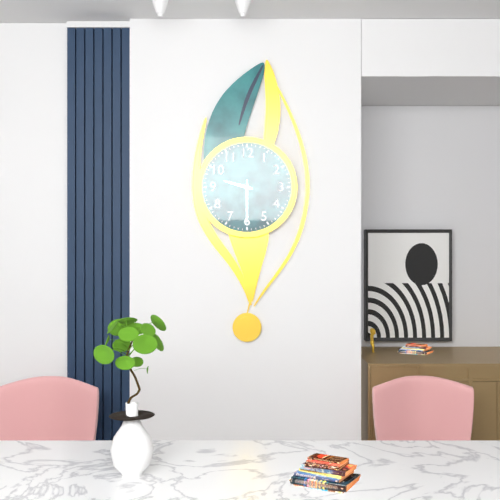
9 h 30 min
